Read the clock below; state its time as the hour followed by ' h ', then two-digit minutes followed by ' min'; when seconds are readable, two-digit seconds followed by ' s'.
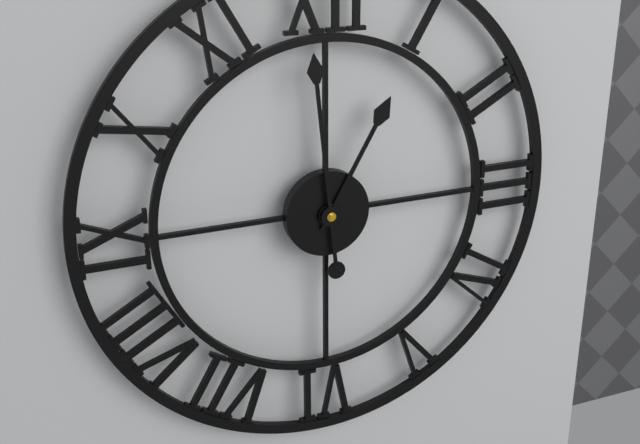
12 h 59 min
